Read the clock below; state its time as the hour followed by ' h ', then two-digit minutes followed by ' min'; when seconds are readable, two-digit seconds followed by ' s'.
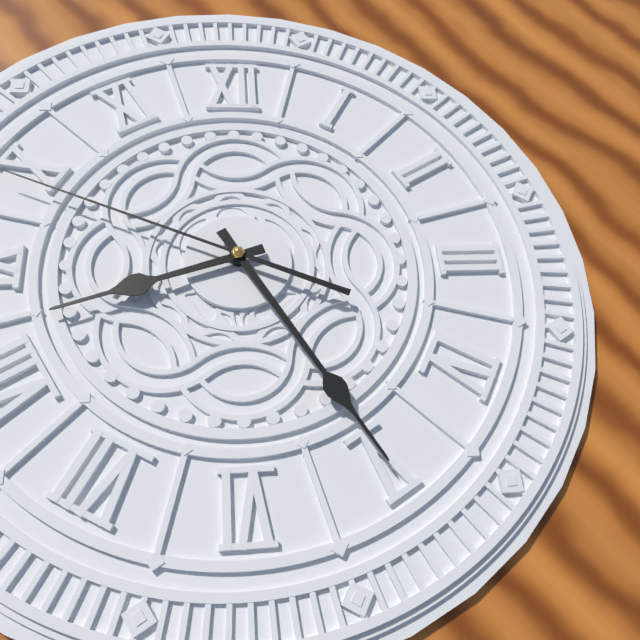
8 h 25 min 49 s
